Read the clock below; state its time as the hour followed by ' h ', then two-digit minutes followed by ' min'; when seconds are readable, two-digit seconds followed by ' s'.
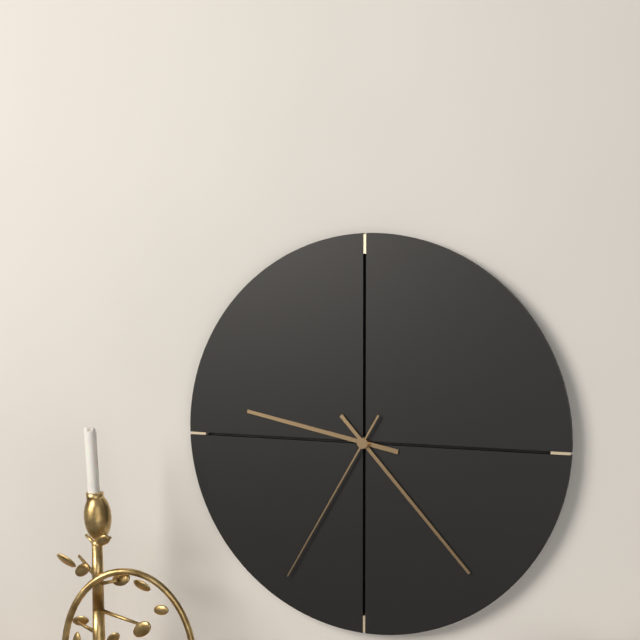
9 h 23 min 35 s
